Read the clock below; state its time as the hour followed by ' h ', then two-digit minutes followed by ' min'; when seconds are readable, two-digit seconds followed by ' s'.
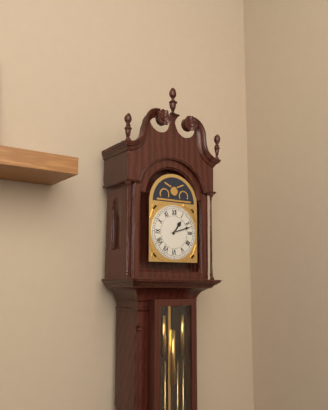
1 h 12 min
